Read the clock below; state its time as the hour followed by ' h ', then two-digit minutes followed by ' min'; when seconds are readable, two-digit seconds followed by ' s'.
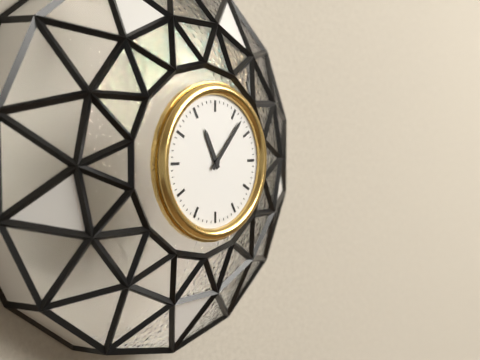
11 h 07 min
